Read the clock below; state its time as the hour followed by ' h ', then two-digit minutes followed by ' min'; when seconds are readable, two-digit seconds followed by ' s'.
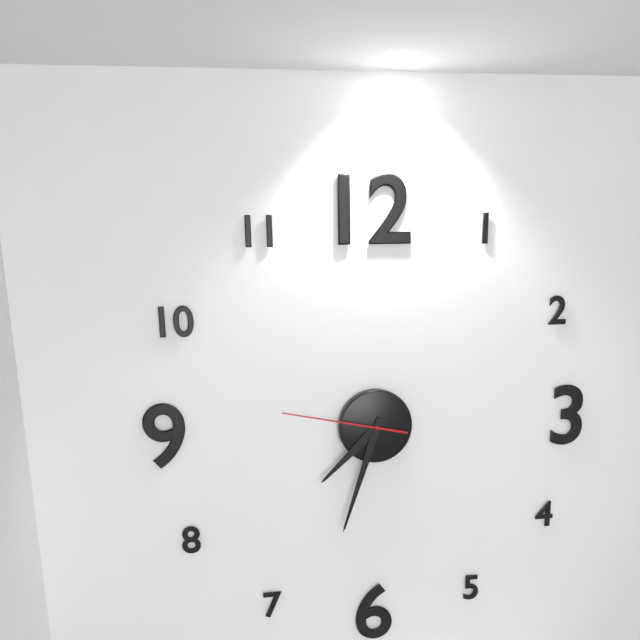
7 h 33 min 47 s
